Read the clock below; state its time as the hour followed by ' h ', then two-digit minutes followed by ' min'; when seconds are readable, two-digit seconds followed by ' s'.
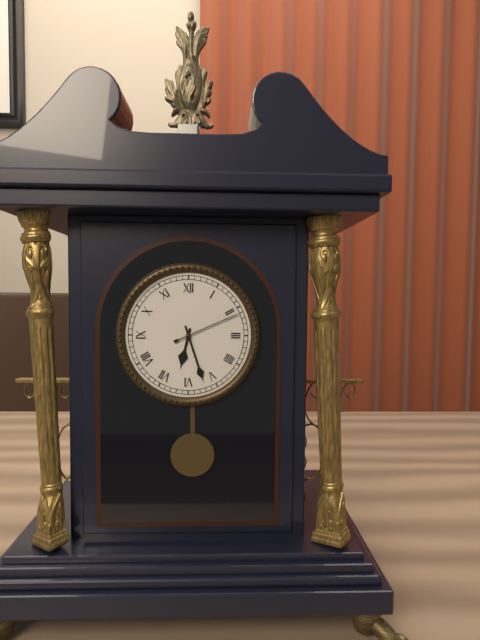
6 h 27 min 11 s
